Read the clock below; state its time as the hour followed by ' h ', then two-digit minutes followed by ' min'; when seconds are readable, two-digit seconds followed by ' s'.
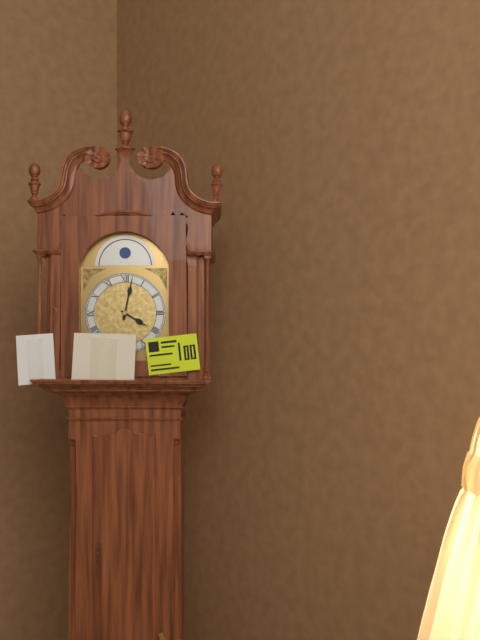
4 h 02 min
